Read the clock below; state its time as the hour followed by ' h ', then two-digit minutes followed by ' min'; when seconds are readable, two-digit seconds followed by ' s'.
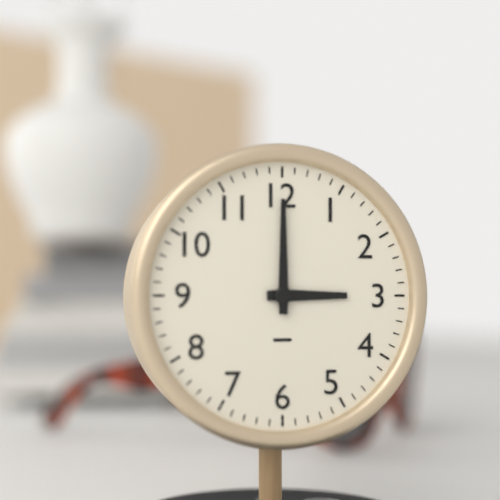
3 h 00 min
